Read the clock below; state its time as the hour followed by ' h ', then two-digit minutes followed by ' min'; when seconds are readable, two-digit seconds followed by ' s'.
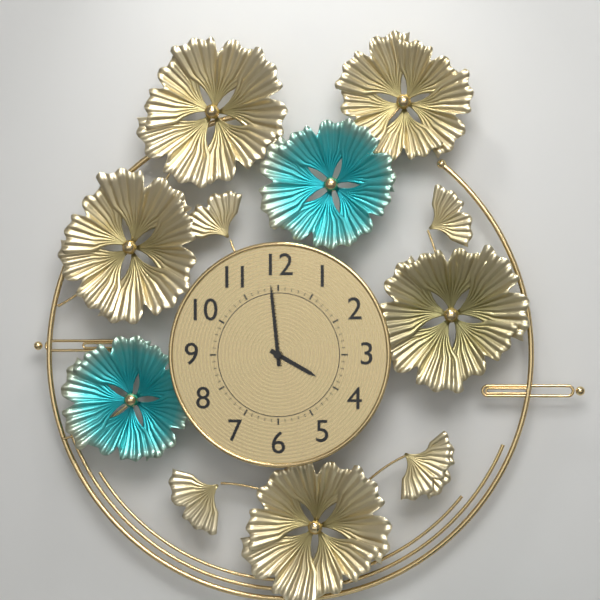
3 h 59 min
